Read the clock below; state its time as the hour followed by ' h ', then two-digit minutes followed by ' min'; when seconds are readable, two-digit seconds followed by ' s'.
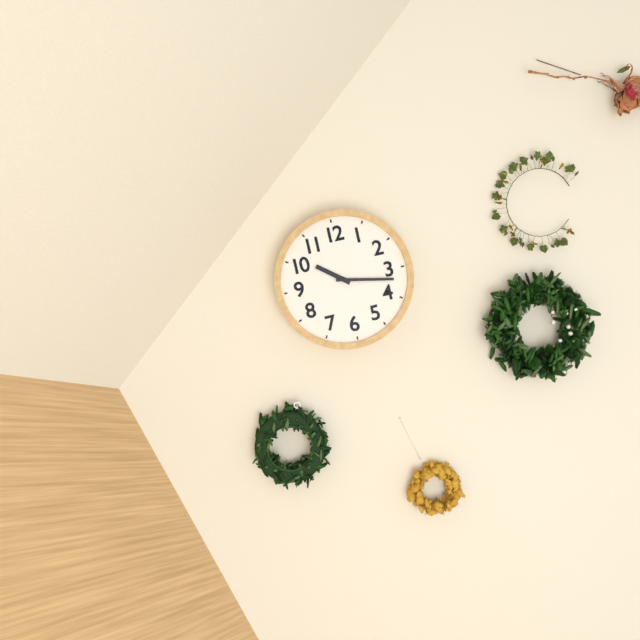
10 h 17 min
